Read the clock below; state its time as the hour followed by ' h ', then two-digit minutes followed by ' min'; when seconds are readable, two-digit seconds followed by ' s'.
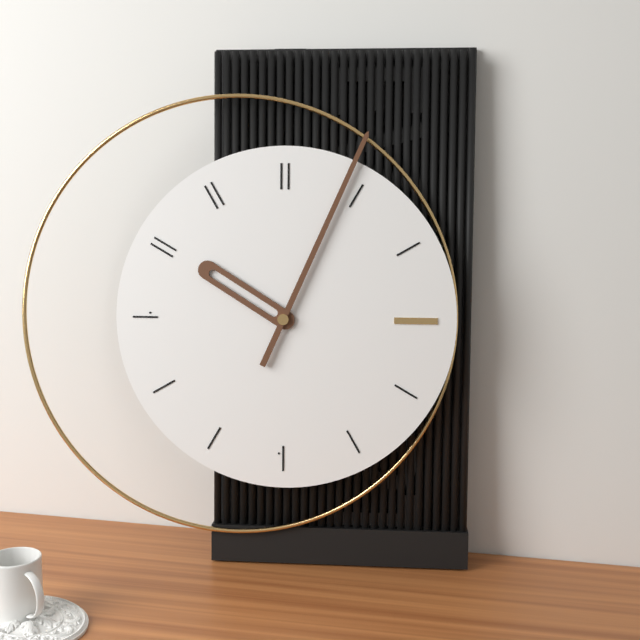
10 h 04 min
